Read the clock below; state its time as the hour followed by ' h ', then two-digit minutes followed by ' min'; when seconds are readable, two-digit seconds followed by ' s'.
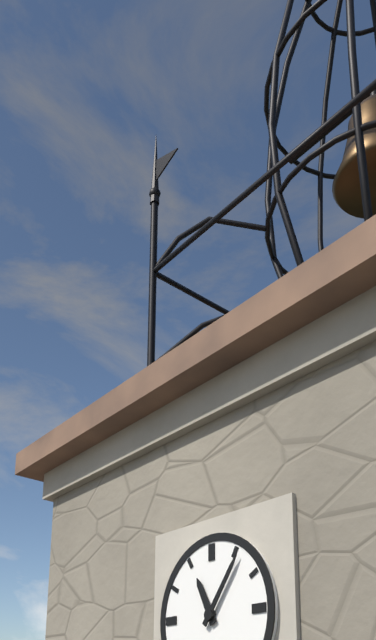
11 h 06 min
